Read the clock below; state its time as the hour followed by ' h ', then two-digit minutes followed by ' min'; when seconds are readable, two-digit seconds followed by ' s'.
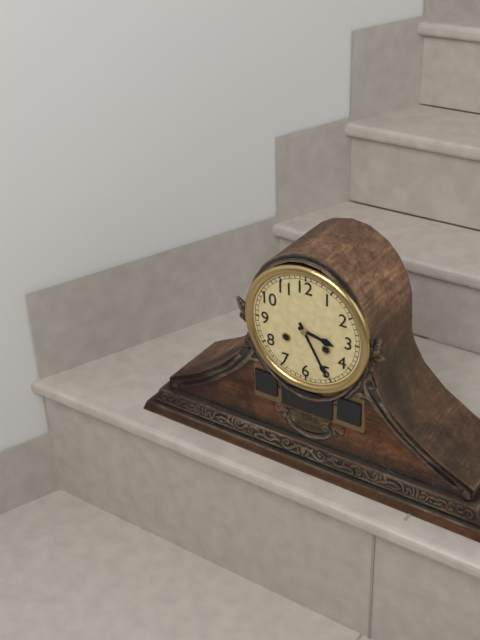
3 h 25 min
